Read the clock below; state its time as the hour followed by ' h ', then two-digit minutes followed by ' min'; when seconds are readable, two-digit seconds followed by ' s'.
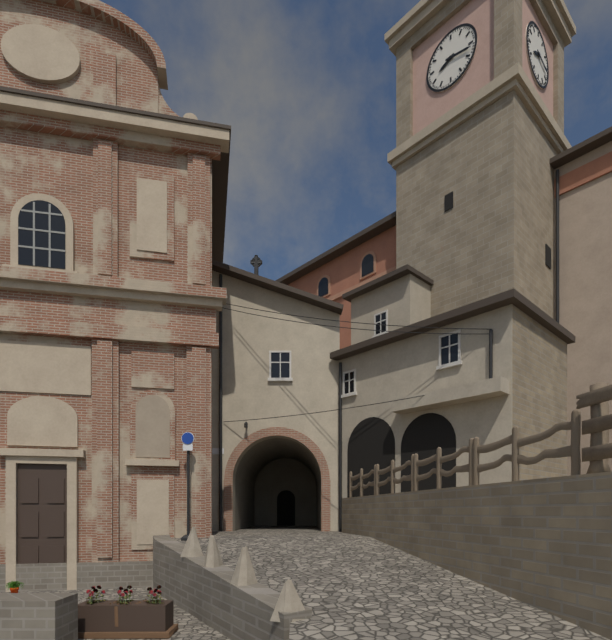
8 h 17 min
